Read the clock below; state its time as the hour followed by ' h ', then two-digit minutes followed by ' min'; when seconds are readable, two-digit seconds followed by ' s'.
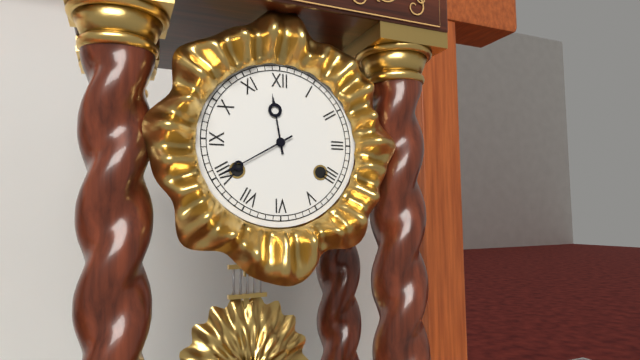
11 h 40 min
